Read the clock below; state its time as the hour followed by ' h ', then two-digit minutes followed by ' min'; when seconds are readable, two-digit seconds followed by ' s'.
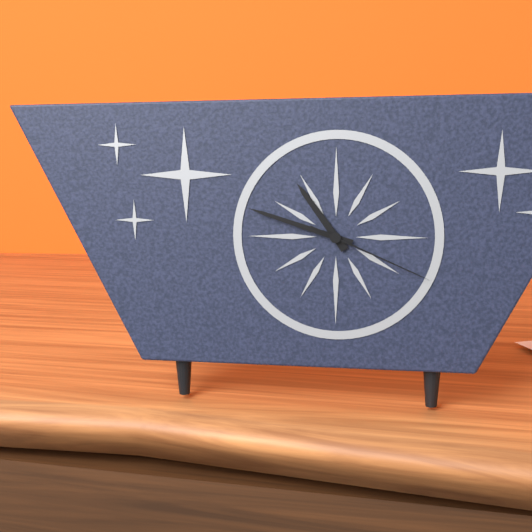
10 h 48 min 19 s
